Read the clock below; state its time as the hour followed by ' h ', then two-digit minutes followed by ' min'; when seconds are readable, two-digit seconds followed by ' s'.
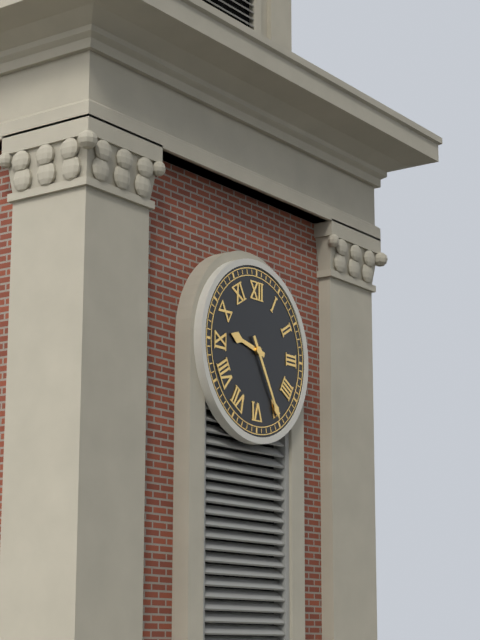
9 h 25 min
